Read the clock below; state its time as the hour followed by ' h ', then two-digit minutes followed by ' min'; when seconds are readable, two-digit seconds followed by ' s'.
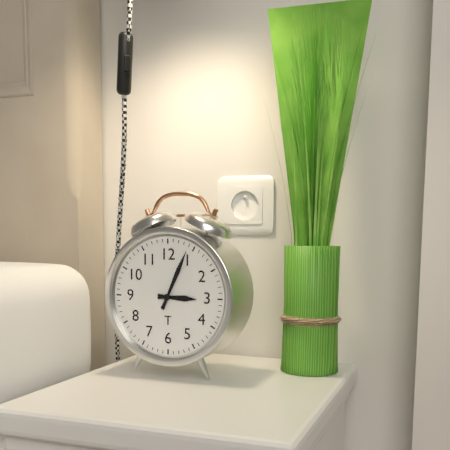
3 h 04 min
